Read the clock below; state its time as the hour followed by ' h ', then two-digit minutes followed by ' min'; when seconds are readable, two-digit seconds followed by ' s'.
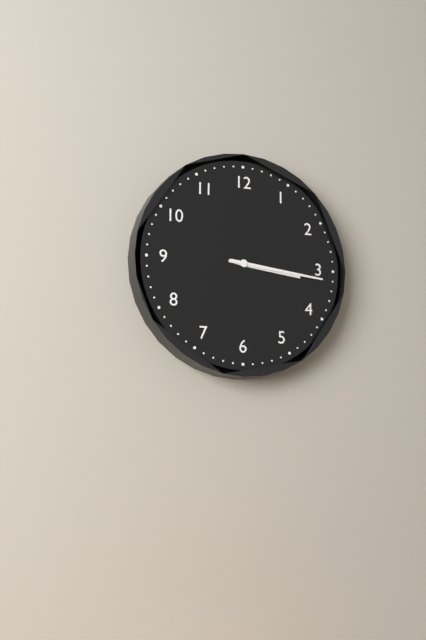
3 h 16 min
